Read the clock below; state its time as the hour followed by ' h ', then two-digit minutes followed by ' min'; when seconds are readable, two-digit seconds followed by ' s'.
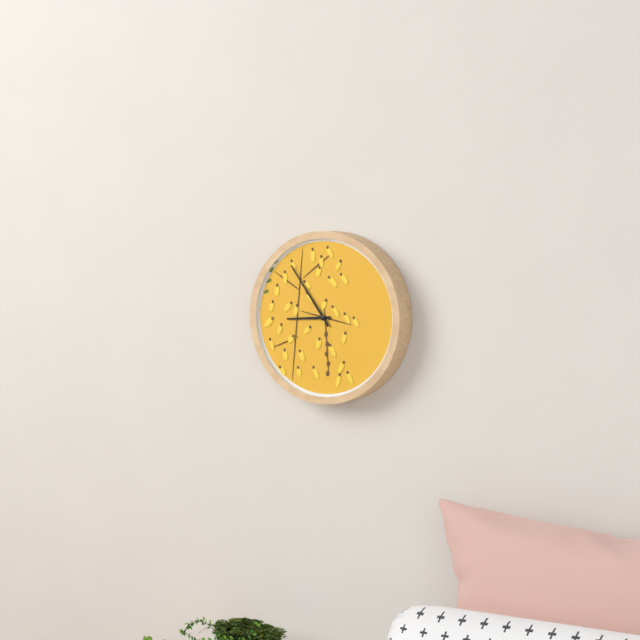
8 h 54 min
